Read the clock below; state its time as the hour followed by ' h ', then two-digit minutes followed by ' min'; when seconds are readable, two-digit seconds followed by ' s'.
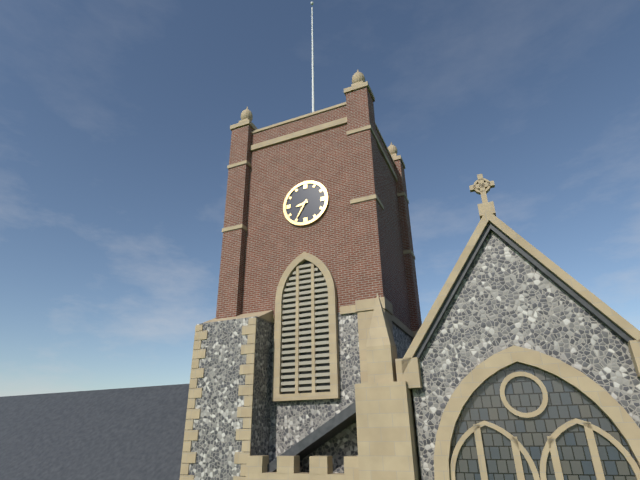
8 h 35 min
